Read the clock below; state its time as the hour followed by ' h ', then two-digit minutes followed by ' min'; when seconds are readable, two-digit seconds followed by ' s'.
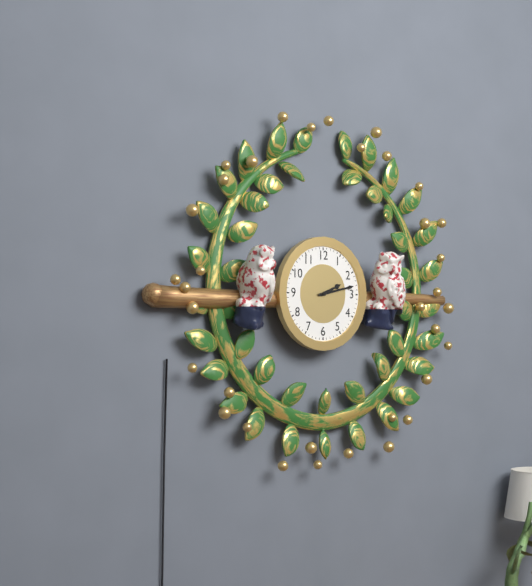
2 h 13 min
